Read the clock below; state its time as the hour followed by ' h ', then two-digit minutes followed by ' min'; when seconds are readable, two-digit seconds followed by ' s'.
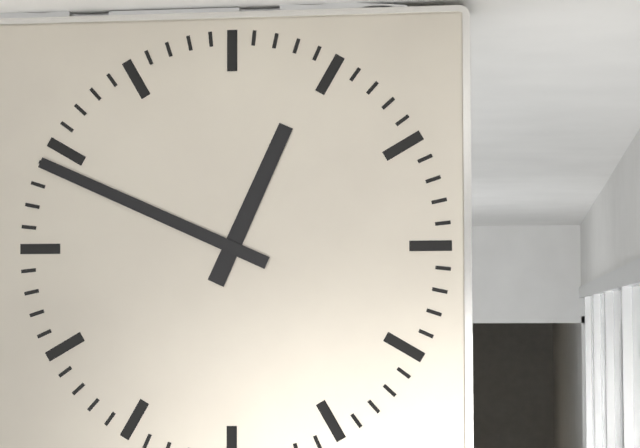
12 h 49 min
